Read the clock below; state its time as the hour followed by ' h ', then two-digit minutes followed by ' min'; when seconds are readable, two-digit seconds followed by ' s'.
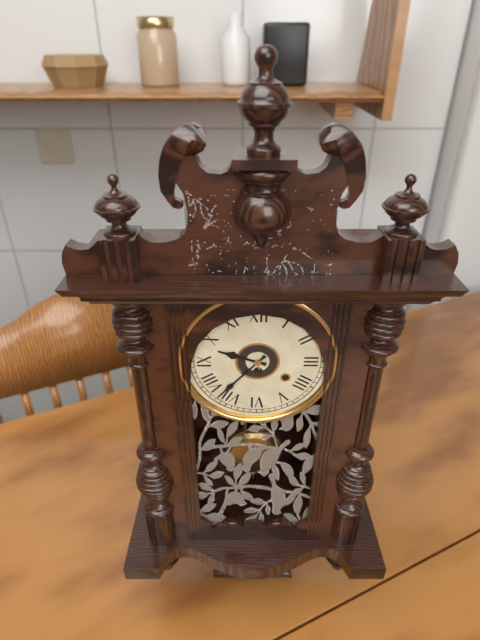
9 h 37 min
